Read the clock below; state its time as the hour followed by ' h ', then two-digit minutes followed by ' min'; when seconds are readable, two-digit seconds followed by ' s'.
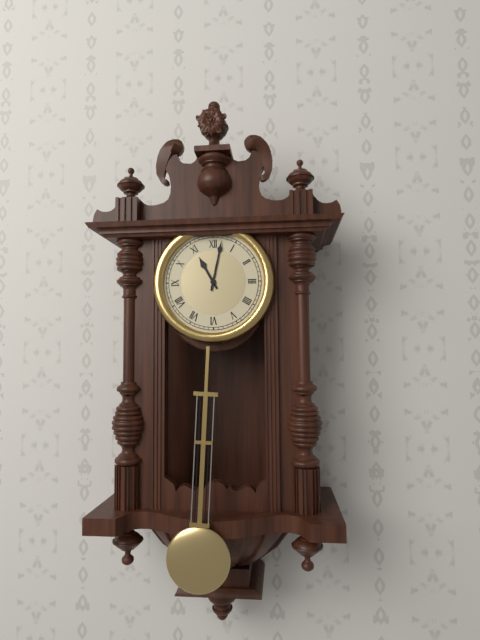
11 h 02 min
